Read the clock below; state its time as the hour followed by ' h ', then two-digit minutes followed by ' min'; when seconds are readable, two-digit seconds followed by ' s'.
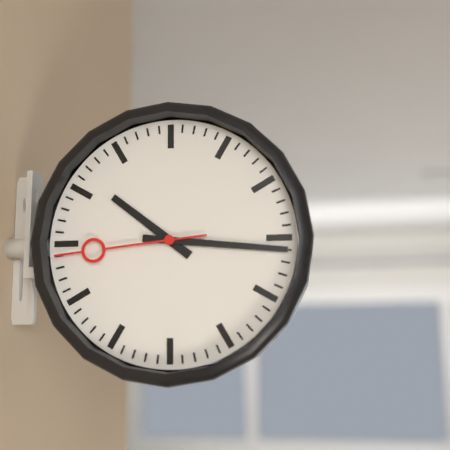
10 h 16 min 44 s
